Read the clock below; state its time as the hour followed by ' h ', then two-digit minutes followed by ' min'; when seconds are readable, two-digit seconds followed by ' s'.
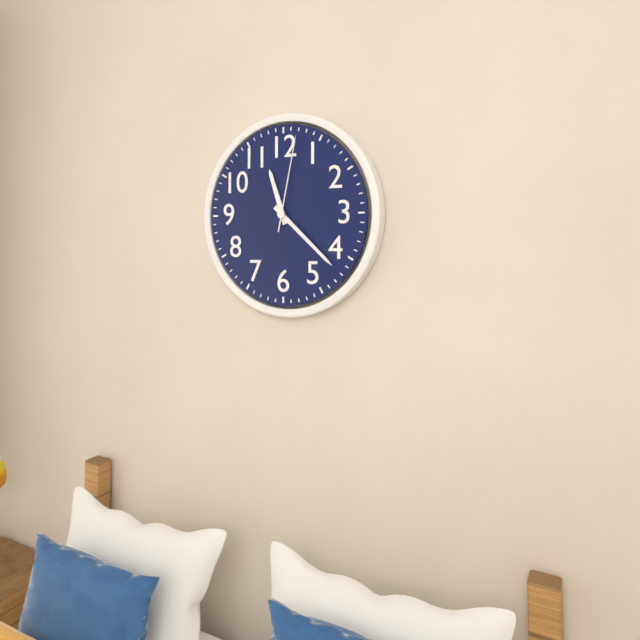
11 h 22 min 02 s
